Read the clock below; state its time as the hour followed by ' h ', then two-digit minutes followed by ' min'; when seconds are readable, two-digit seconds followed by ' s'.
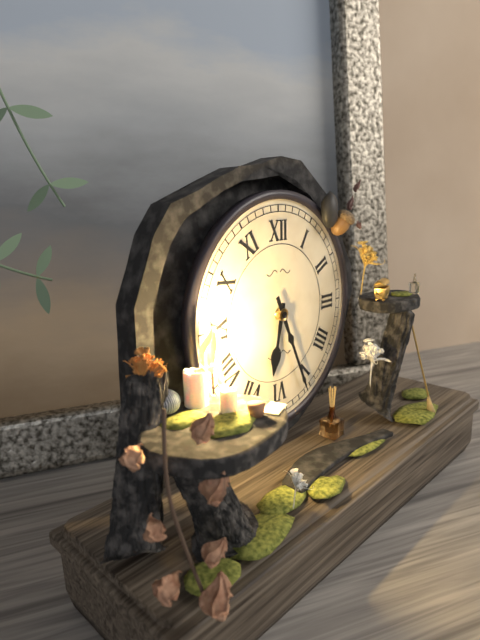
6 h 26 min
